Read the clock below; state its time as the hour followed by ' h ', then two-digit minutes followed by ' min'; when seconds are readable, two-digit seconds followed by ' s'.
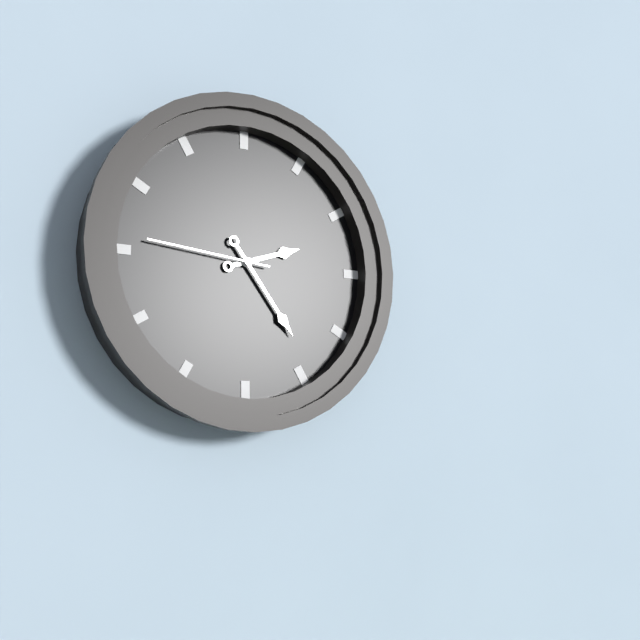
2 h 24 min 46 s
